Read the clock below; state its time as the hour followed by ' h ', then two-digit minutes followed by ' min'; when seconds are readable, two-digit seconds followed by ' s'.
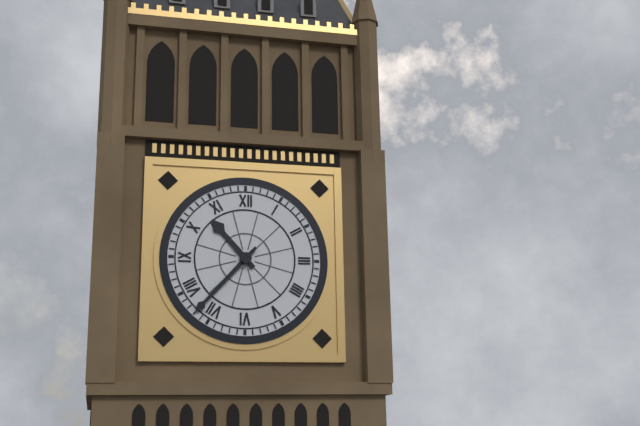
10 h 37 min
